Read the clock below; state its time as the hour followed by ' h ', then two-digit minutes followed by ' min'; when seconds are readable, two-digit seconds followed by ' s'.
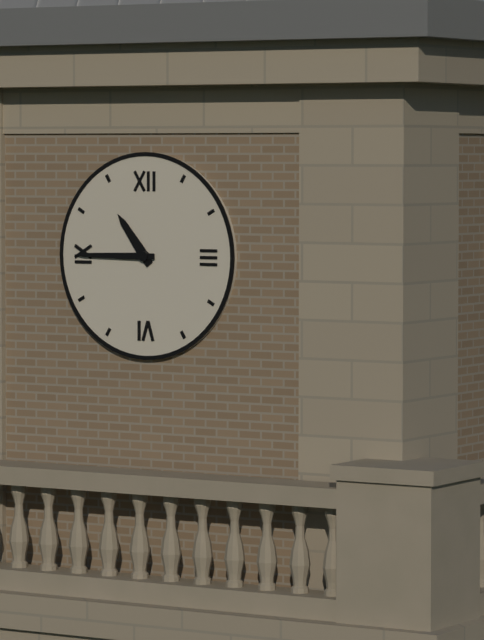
10 h 45 min
